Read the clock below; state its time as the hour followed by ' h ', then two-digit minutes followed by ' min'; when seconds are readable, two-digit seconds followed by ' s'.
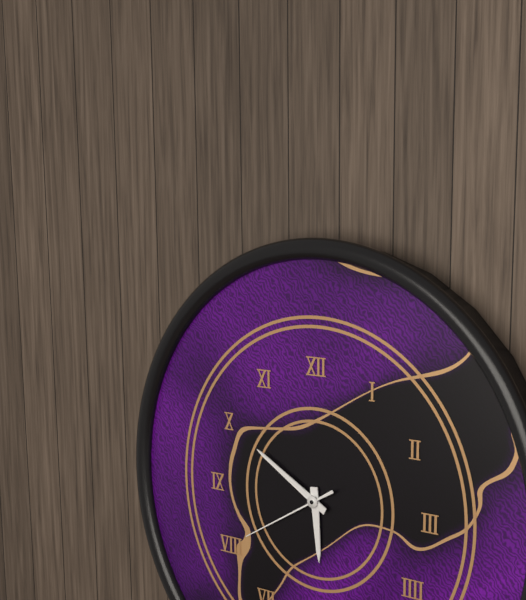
5 h 50 min 40 s
